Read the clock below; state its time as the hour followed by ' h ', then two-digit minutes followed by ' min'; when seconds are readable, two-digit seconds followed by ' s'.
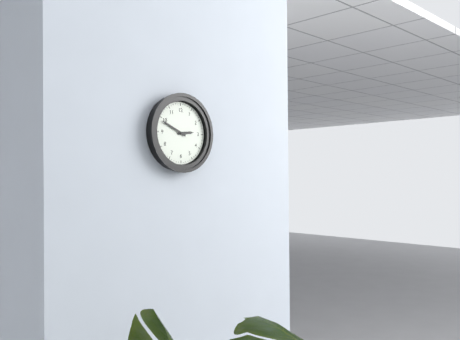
2 h 49 min
